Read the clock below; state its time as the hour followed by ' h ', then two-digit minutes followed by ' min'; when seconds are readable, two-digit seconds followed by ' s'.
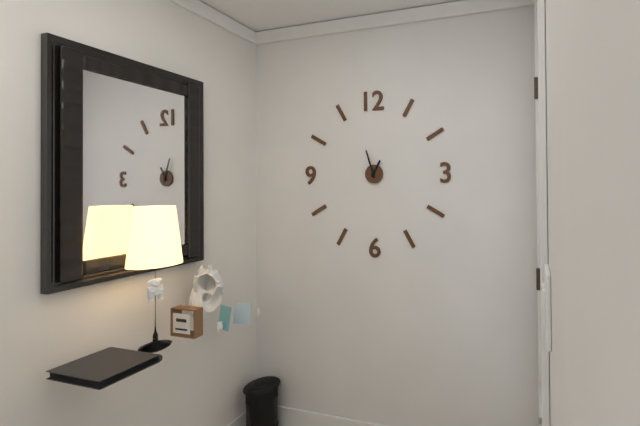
12 h 57 min
